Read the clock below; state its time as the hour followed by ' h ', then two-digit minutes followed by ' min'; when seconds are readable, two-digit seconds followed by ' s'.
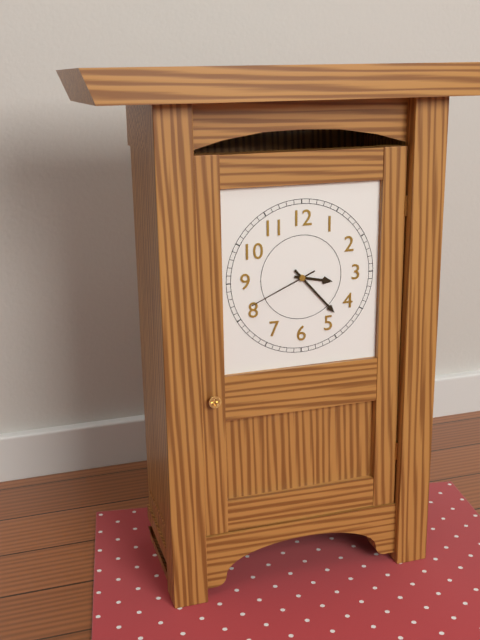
3 h 23 min 41 s
